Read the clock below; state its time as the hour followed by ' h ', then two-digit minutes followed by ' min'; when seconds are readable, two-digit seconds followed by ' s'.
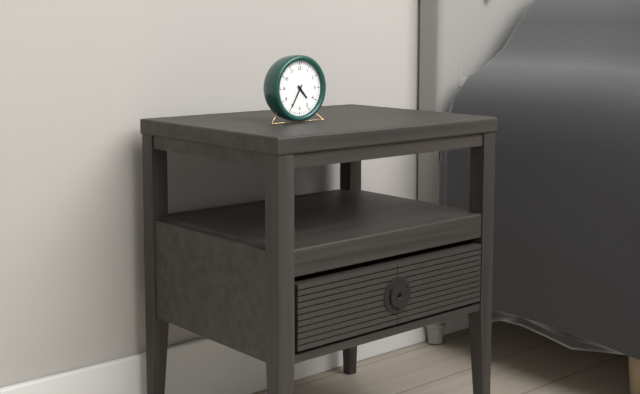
4 h 35 min
